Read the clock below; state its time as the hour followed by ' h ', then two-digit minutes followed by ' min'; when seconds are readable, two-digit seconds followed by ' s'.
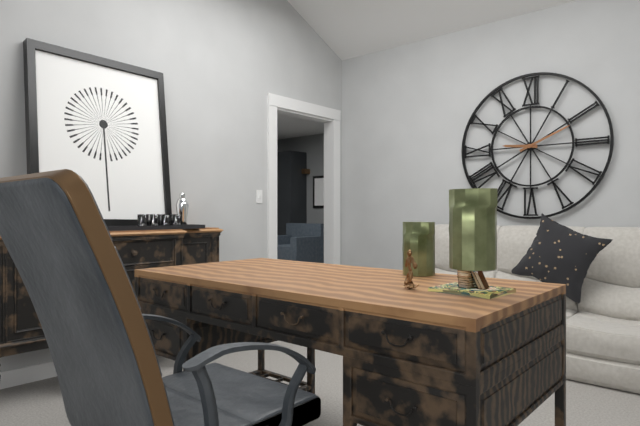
9 h 11 min
